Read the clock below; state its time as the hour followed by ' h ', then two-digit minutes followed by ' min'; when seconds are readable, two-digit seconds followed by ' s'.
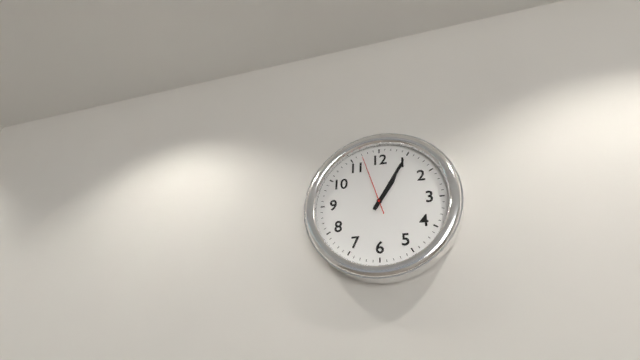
1 h 05 min 57 s
